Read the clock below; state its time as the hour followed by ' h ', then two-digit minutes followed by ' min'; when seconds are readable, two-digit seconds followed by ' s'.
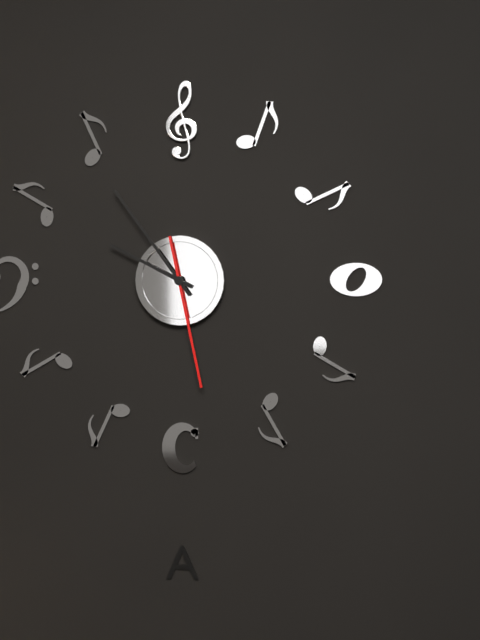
9 h 54 min 28 s
